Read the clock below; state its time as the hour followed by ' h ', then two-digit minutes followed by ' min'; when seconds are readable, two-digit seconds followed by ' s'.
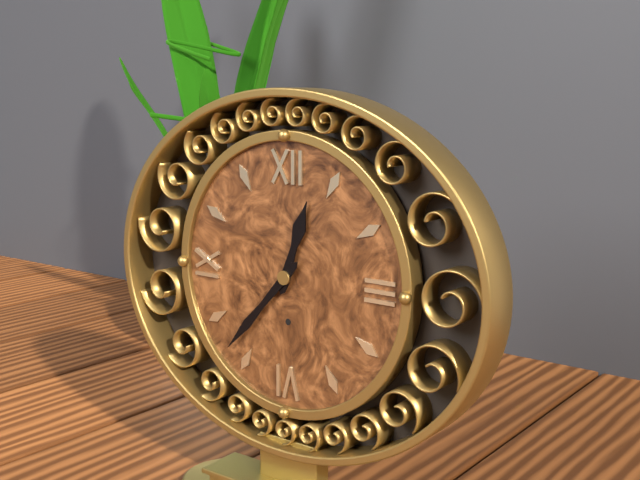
12 h 37 min
